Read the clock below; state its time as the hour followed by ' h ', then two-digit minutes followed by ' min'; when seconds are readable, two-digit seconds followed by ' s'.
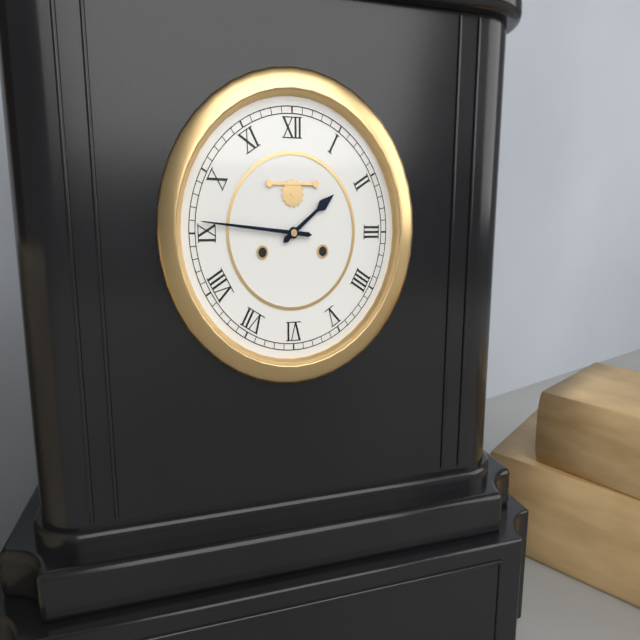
1 h 46 min
